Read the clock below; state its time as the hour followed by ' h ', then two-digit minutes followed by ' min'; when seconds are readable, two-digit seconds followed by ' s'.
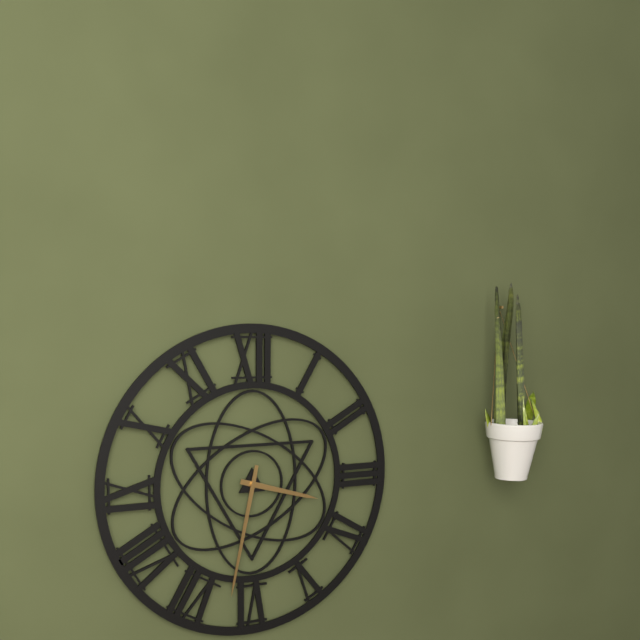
3 h 32 min
